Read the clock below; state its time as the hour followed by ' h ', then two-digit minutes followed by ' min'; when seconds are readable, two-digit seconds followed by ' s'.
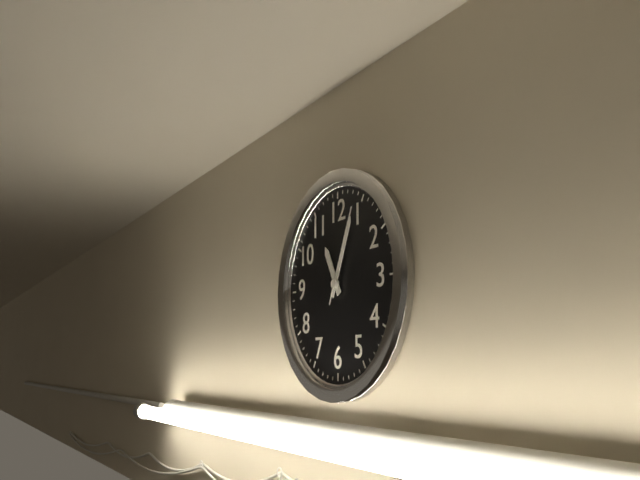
11 h 04 min 04 s
